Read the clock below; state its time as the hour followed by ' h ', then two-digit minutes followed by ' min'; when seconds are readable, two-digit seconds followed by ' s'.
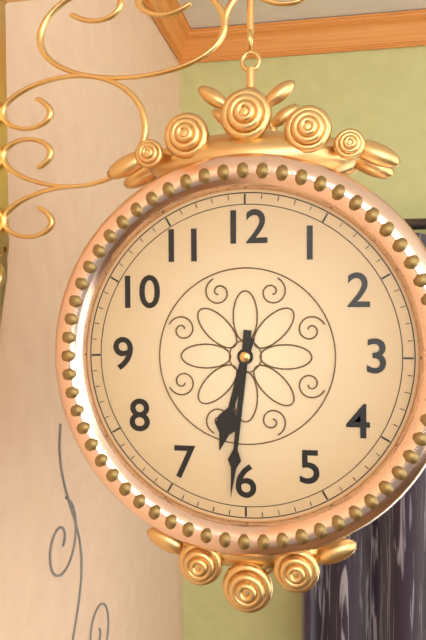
6 h 31 min
